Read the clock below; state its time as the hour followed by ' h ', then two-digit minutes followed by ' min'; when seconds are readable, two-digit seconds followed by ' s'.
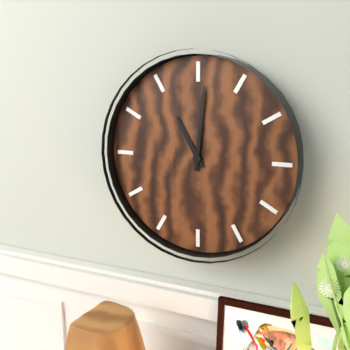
11 h 01 min
